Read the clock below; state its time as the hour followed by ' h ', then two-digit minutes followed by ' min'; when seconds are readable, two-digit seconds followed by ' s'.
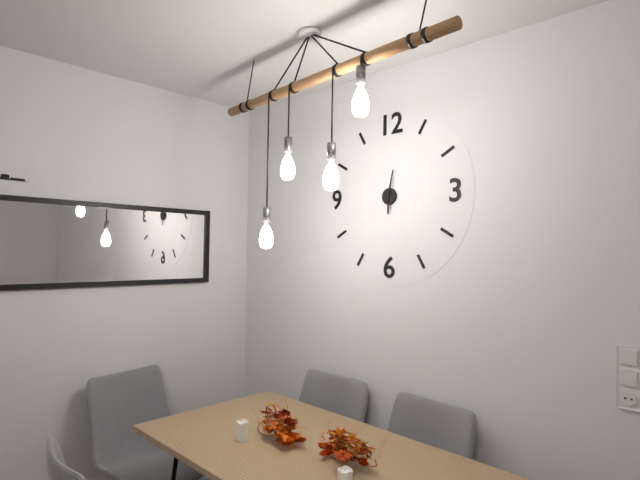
6 h 02 min
